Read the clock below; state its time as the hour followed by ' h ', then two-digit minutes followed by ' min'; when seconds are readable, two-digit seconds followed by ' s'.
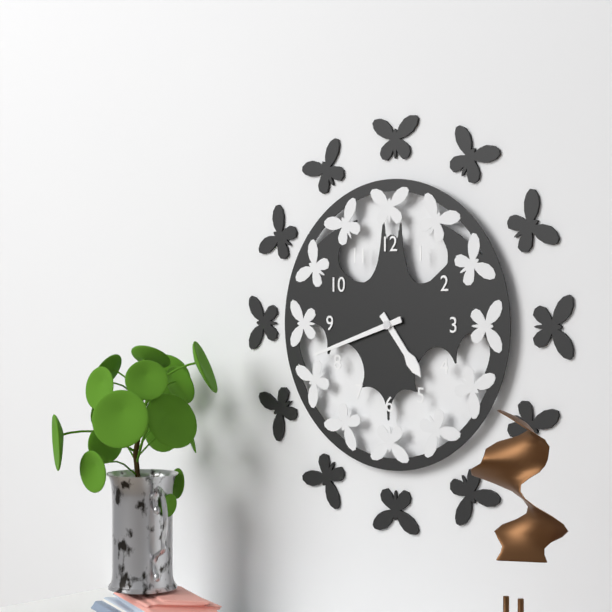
4 h 42 min
